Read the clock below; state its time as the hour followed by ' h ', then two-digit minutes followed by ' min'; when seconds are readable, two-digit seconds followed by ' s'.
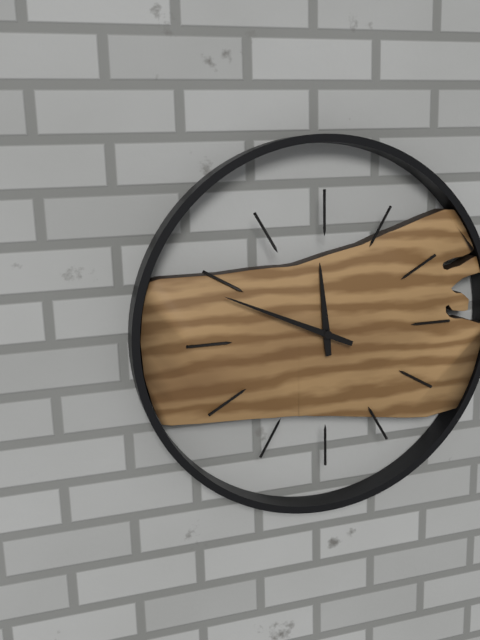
11 h 49 min
